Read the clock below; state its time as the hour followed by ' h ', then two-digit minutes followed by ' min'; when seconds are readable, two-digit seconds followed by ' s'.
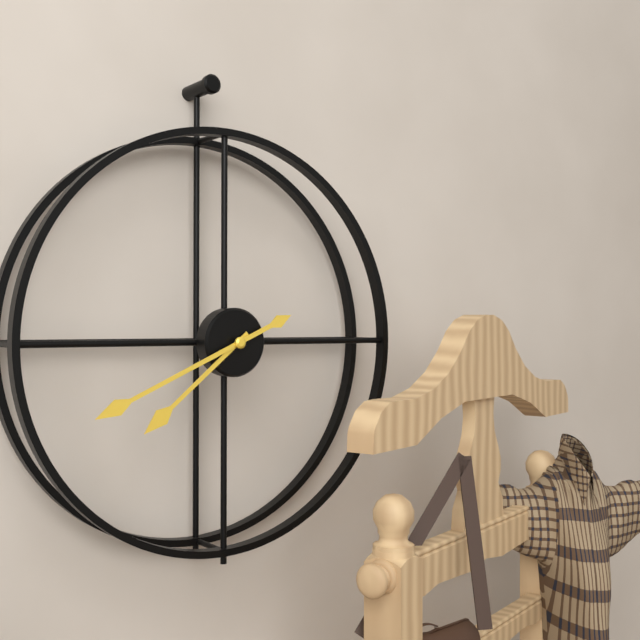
7 h 41 min
